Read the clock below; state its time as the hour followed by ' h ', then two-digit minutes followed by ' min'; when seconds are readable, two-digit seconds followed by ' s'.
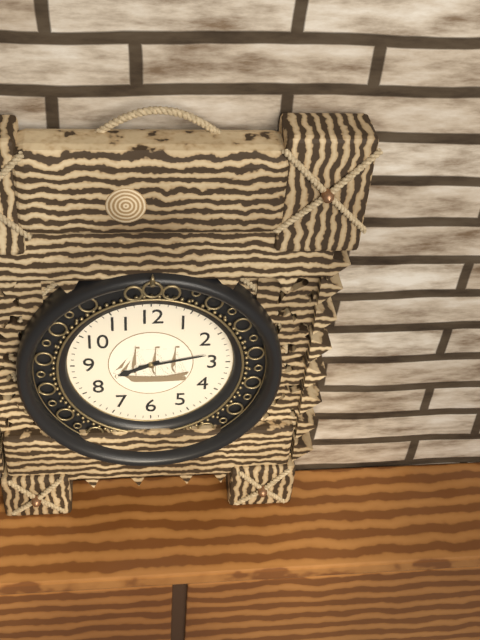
8 h 13 min
